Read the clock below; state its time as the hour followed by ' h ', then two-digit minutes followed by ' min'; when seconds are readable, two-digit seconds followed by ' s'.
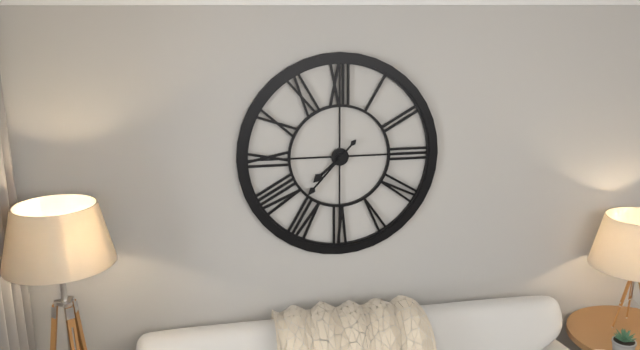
7 h 37 min
